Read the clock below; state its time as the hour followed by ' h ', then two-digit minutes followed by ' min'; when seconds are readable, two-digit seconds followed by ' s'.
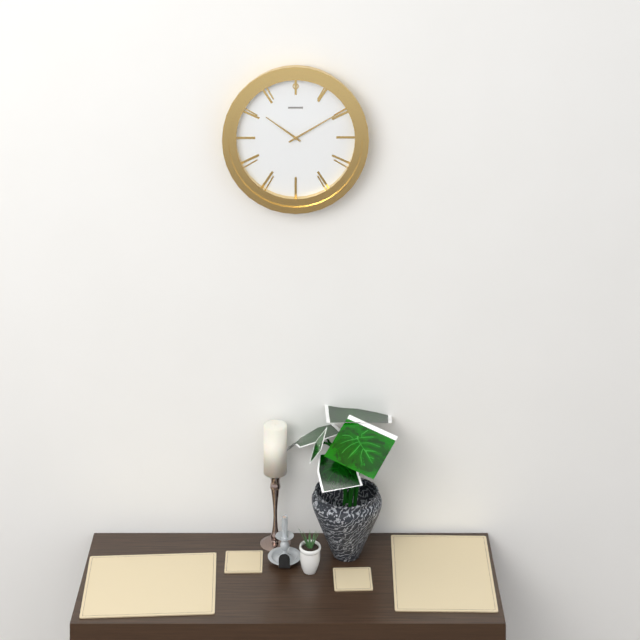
10 h 10 min
